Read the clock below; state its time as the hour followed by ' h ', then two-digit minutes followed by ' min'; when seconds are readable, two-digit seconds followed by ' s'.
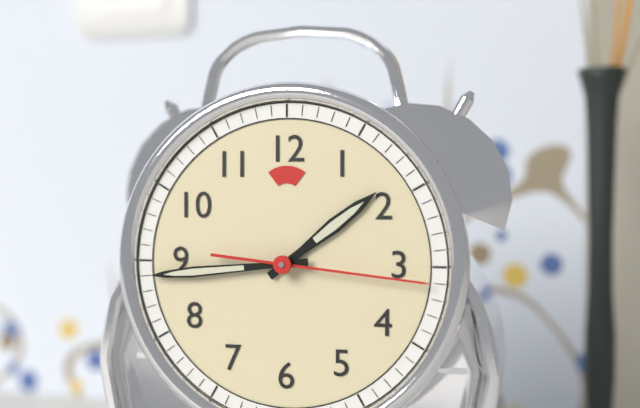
1 h 44 min 16 s
